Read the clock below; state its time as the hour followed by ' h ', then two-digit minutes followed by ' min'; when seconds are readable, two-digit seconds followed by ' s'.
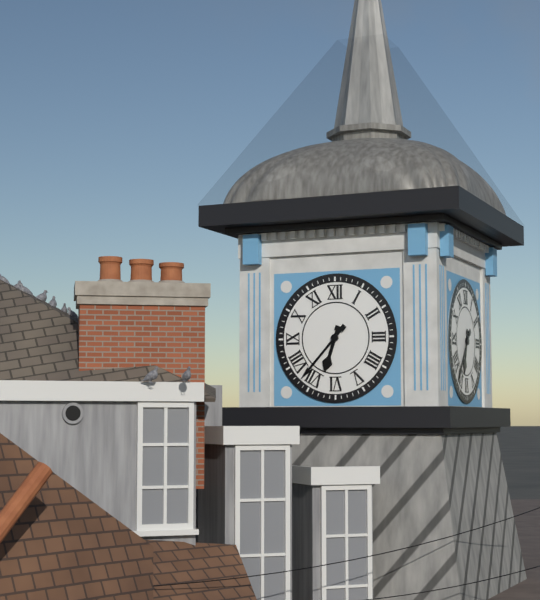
6 h 37 min
